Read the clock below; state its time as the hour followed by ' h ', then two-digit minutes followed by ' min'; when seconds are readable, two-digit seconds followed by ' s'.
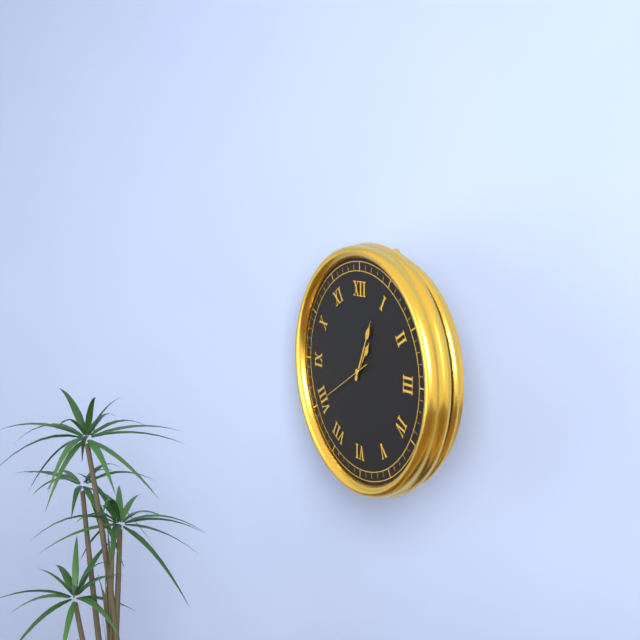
1 h 04 min 40 s
